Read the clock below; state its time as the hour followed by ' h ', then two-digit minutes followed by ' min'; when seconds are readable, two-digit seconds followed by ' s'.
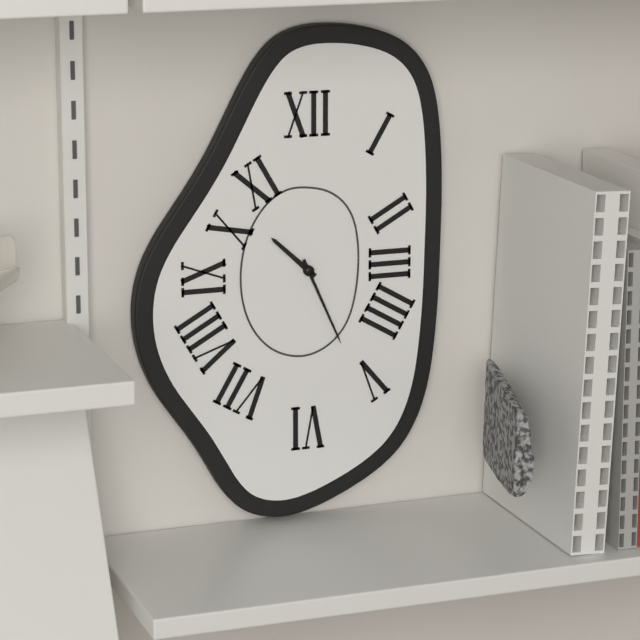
10 h 26 min
